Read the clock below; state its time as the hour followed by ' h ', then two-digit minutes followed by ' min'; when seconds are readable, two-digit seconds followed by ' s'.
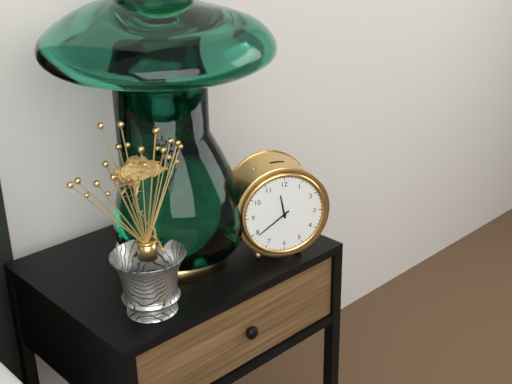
11 h 39 min
